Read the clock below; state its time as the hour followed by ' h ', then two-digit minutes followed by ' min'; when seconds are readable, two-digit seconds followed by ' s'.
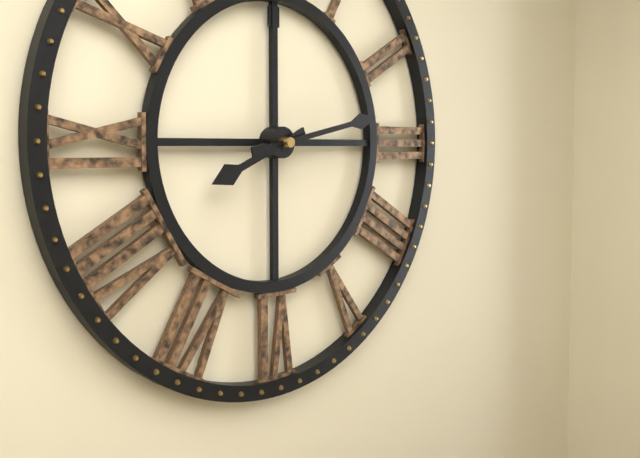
8 h 13 min
